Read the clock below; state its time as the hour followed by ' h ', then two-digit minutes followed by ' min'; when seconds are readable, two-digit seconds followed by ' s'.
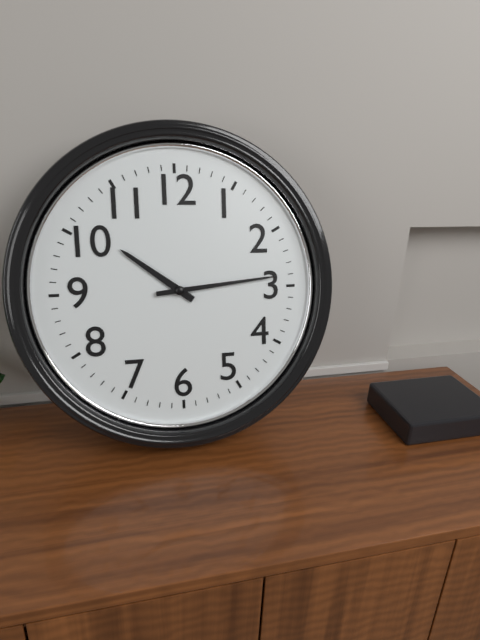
10 h 14 min
